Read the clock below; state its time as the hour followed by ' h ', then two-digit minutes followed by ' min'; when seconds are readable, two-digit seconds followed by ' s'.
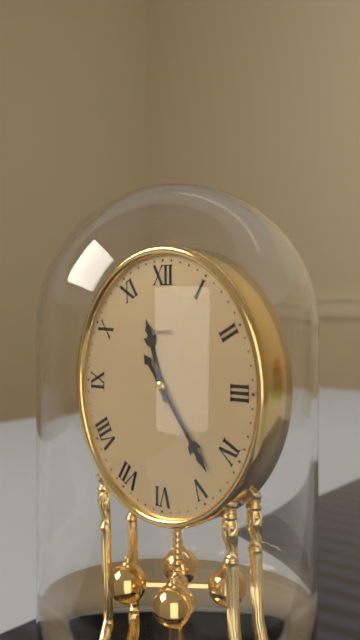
11 h 24 min
